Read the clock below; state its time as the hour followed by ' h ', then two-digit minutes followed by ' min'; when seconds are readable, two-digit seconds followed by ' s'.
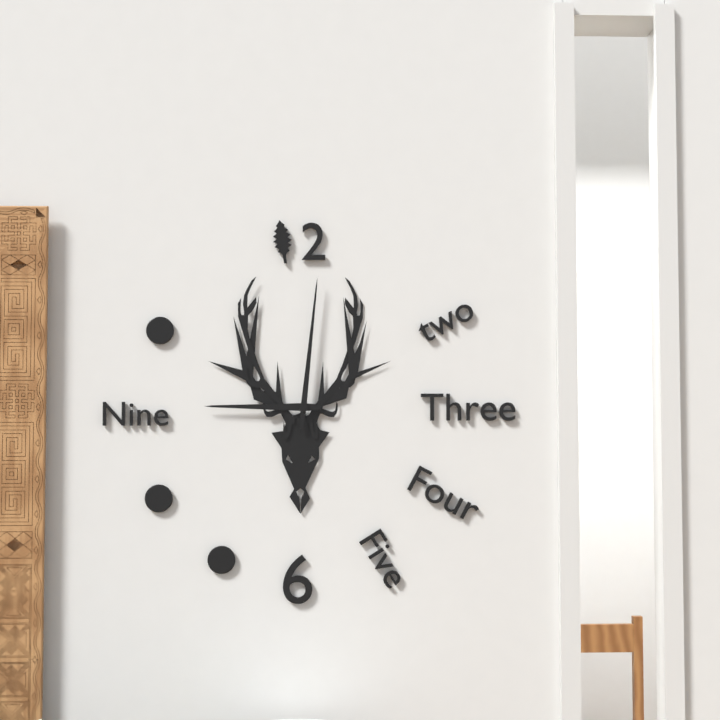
9 h 01 min
